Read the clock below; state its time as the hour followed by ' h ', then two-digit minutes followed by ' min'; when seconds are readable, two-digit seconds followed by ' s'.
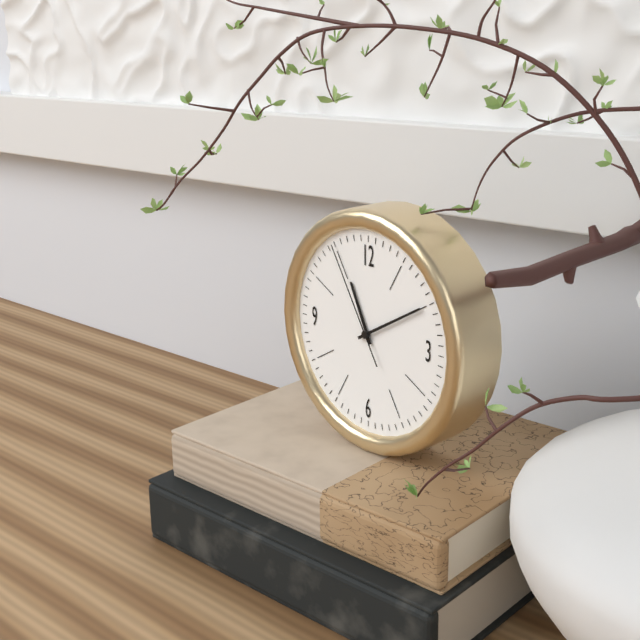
11 h 10 min 55 s
